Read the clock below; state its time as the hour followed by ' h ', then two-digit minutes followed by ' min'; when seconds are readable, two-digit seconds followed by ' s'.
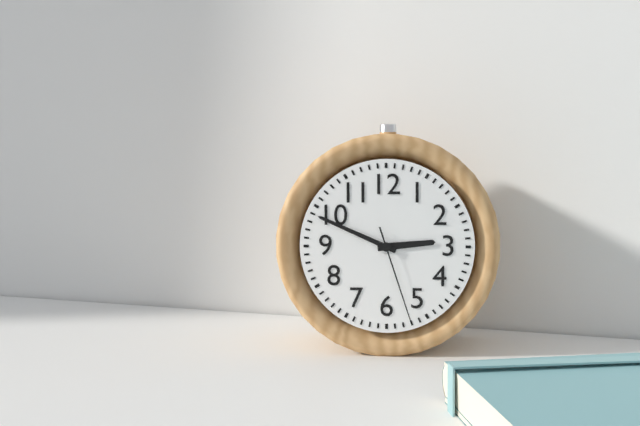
2 h 49 min 27 s
